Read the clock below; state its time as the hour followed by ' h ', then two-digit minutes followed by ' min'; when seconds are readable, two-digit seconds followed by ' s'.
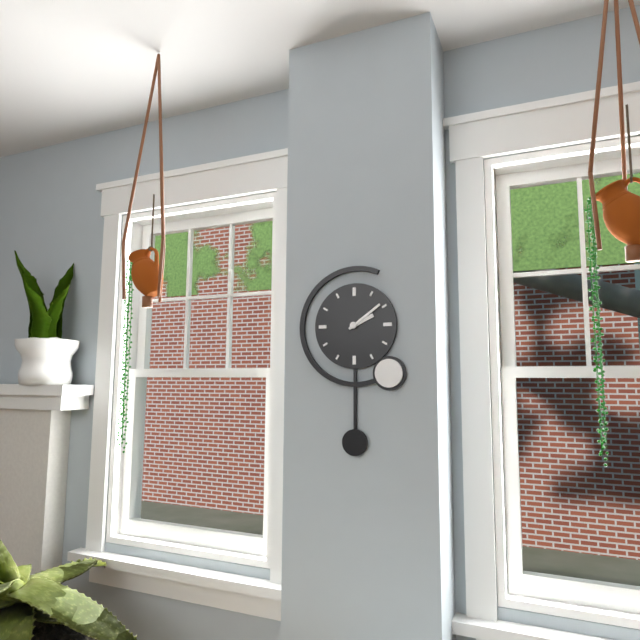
2 h 09 min
